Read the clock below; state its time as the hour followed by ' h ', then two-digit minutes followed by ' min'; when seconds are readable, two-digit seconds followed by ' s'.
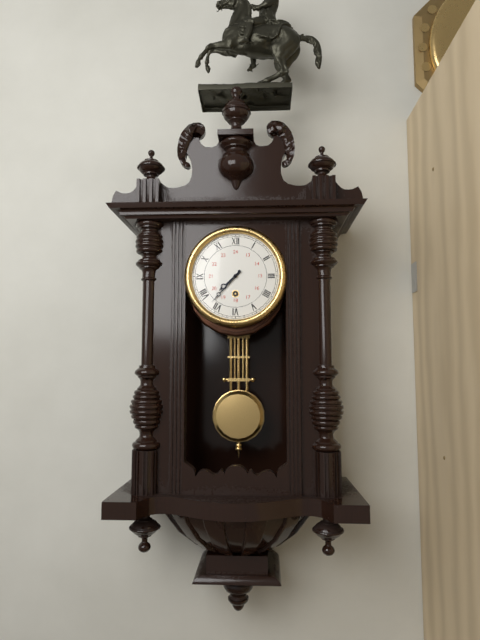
7 h 37 min
